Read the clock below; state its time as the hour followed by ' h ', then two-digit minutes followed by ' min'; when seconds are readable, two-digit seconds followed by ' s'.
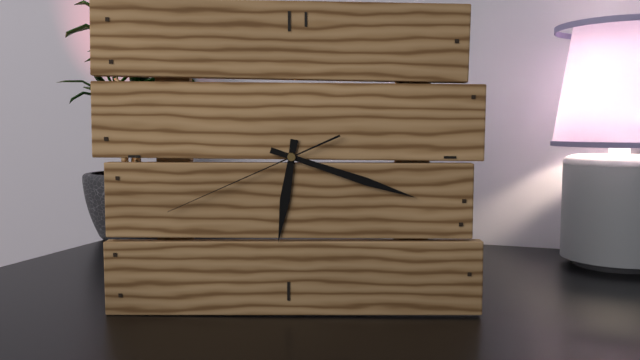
6 h 18 min 41 s
